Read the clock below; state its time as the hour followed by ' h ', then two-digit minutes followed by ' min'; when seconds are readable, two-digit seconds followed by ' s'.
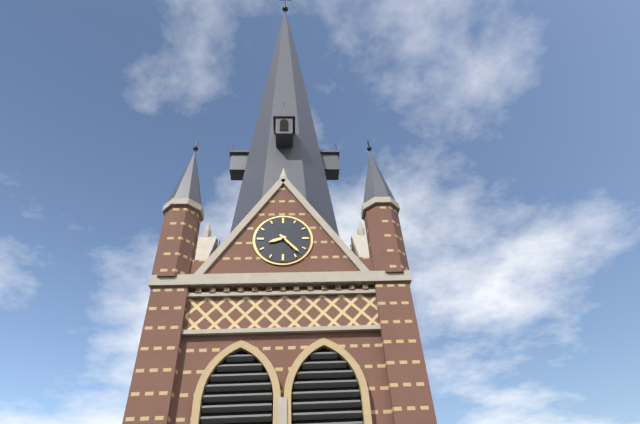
8 h 23 min
